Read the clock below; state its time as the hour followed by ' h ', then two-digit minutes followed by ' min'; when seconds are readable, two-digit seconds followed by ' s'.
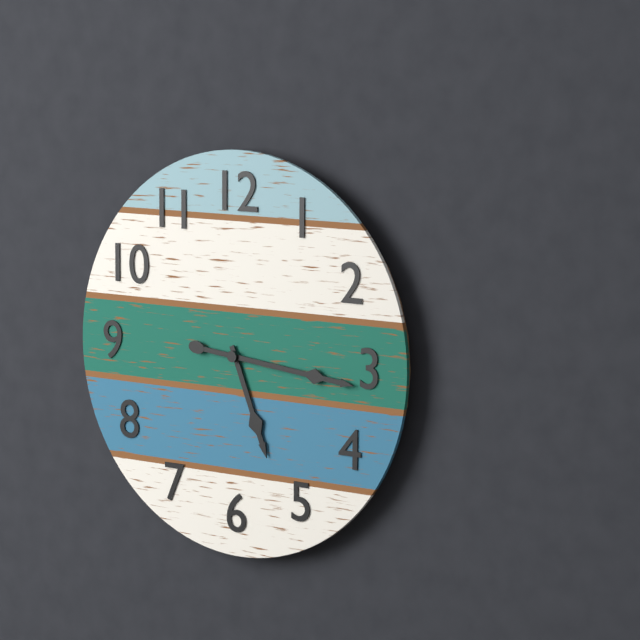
5 h 16 min
